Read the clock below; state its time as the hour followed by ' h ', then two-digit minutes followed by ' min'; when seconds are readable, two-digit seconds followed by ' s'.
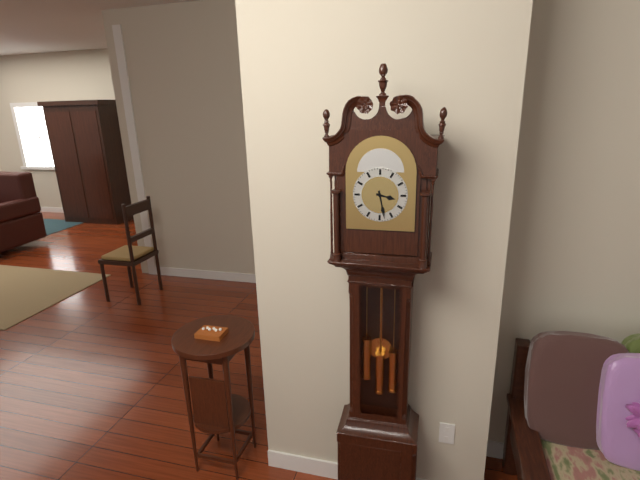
3 h 28 min
